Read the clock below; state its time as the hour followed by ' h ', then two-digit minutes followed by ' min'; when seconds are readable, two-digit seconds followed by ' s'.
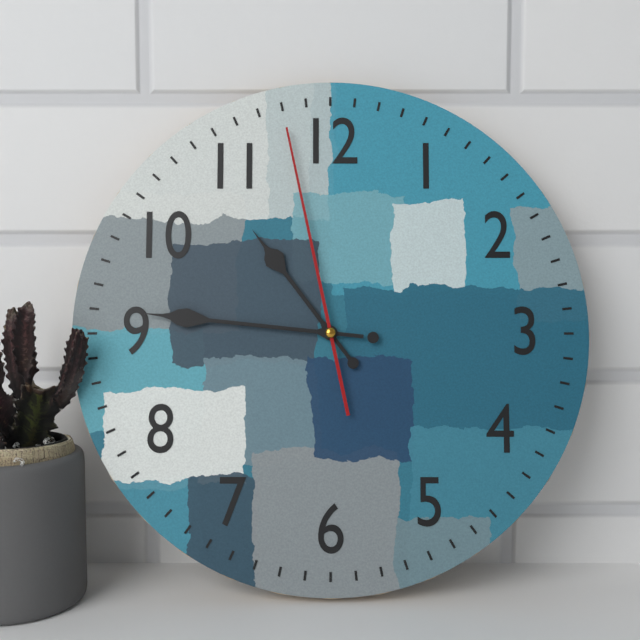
10 h 46 min 58 s
